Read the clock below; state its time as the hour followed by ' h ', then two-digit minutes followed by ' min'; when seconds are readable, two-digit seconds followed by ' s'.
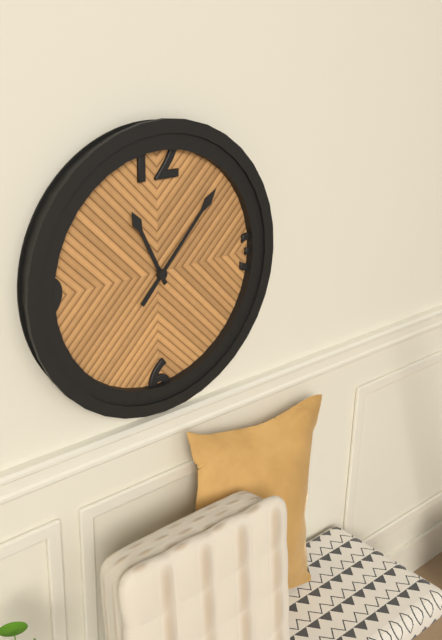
11 h 07 min
